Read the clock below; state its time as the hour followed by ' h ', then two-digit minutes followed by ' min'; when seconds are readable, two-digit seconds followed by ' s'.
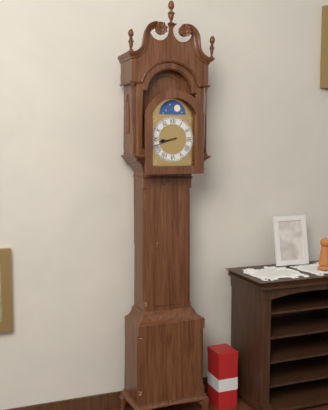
8 h 42 min
